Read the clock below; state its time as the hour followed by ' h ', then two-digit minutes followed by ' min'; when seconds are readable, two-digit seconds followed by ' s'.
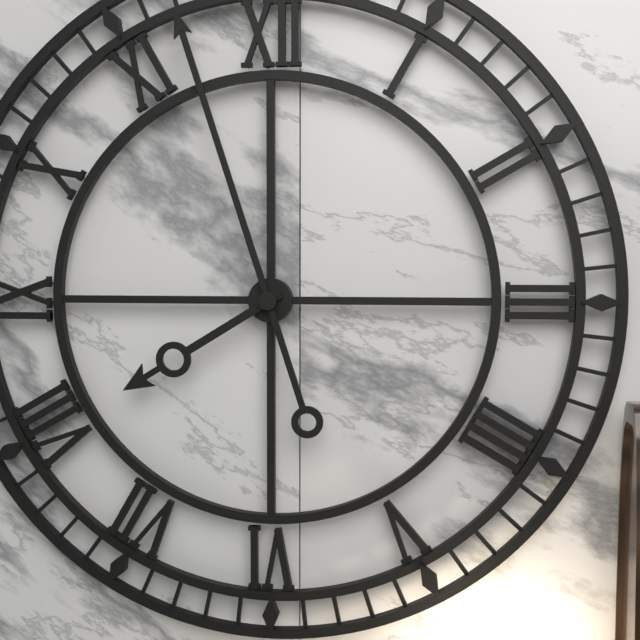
7 h 57 min
